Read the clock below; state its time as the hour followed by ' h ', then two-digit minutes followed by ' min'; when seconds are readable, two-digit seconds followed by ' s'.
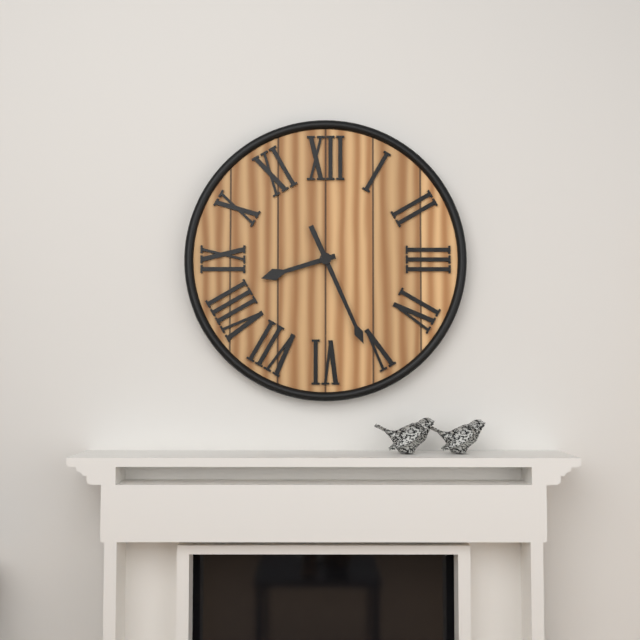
8 h 26 min
